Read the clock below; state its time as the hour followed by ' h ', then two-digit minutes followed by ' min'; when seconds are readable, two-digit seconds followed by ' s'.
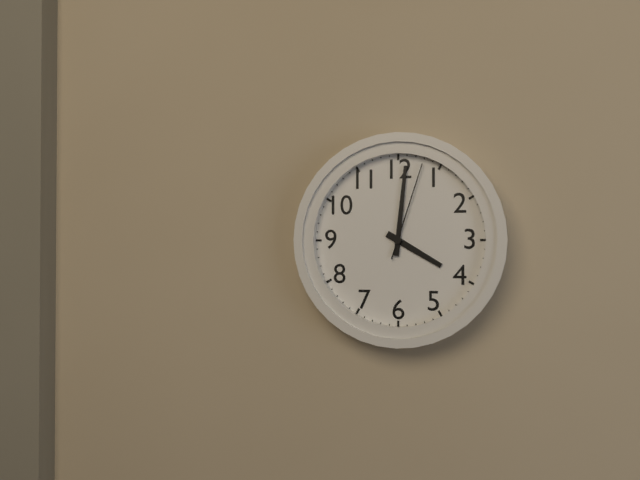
4 h 01 min 03 s
